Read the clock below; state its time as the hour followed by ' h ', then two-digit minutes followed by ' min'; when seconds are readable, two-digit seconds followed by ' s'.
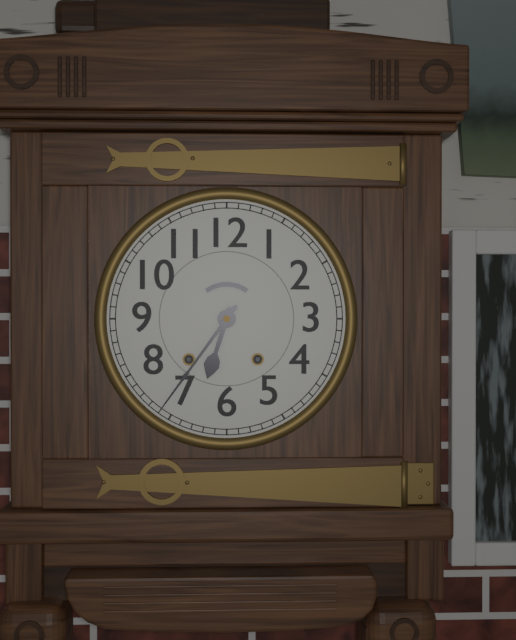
6 h 36 min
